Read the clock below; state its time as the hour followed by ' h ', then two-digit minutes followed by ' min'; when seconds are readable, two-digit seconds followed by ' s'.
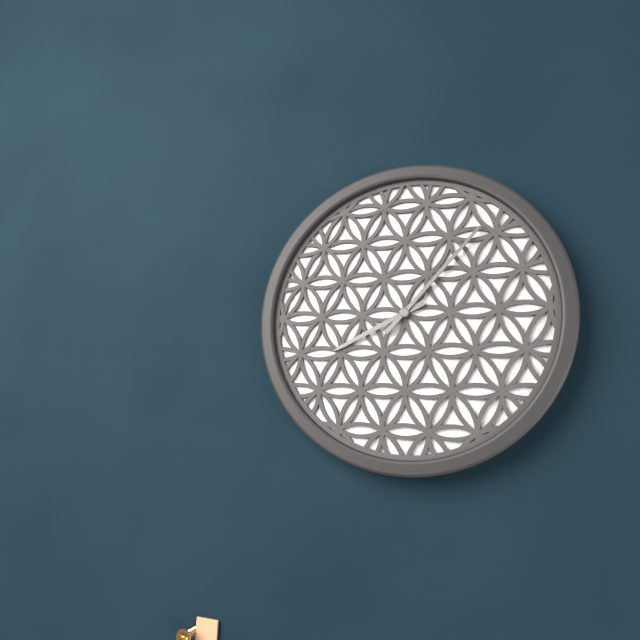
8 h 07 min
